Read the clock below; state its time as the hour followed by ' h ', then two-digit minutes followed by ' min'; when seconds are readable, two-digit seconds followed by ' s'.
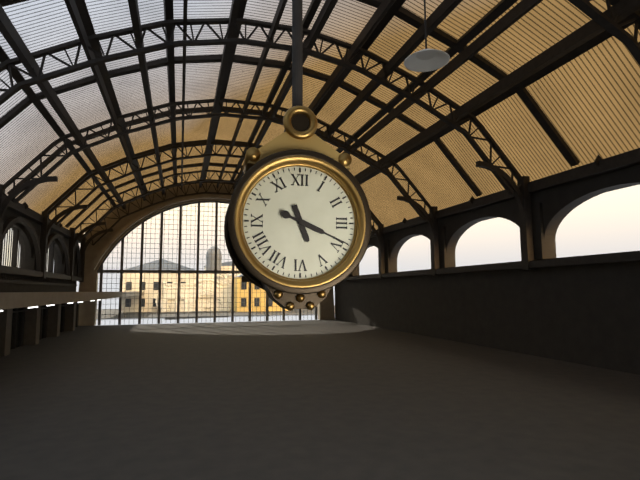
5 h 19 min
